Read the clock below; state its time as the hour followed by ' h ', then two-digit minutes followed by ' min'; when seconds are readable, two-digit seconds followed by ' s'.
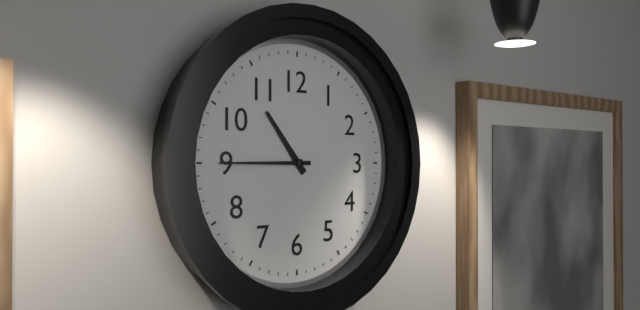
10 h 45 min
